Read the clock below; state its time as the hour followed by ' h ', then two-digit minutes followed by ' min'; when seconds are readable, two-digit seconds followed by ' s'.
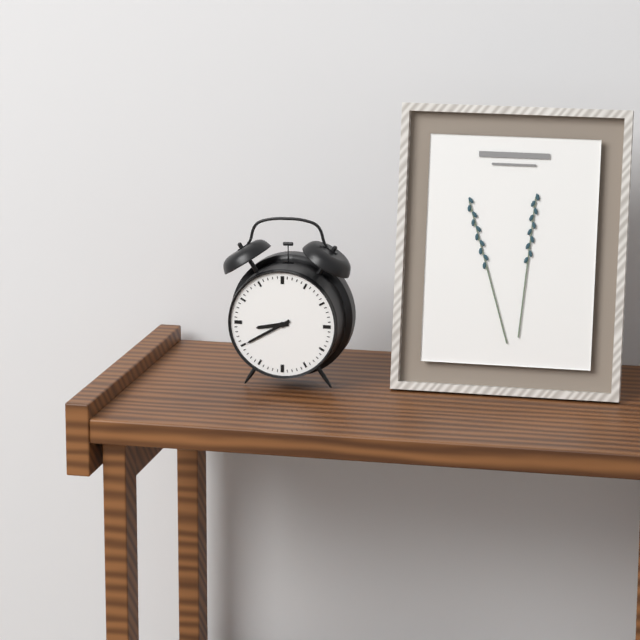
8 h 40 min
